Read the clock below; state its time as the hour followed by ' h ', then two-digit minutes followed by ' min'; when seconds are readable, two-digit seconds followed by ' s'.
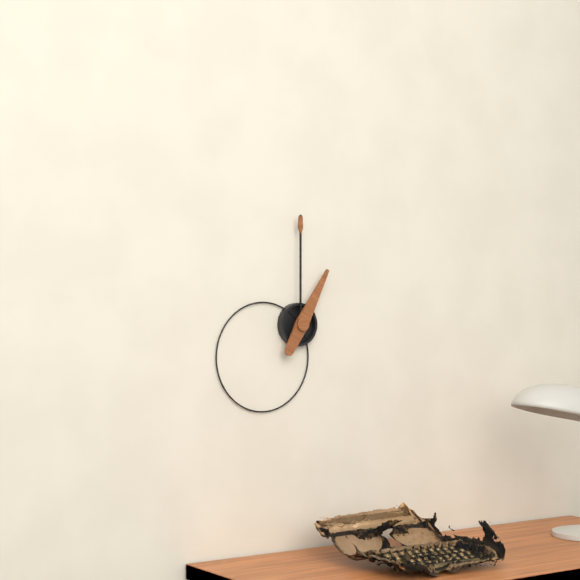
1 h 00 min
